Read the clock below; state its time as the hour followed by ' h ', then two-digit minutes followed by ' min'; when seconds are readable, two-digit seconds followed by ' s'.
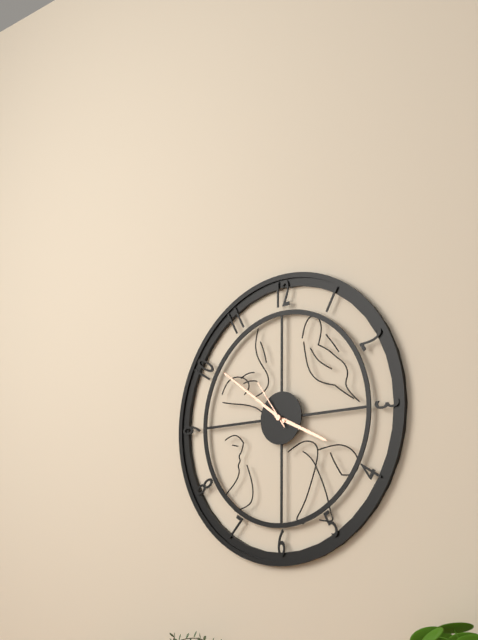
3 h 51 min 54 s
